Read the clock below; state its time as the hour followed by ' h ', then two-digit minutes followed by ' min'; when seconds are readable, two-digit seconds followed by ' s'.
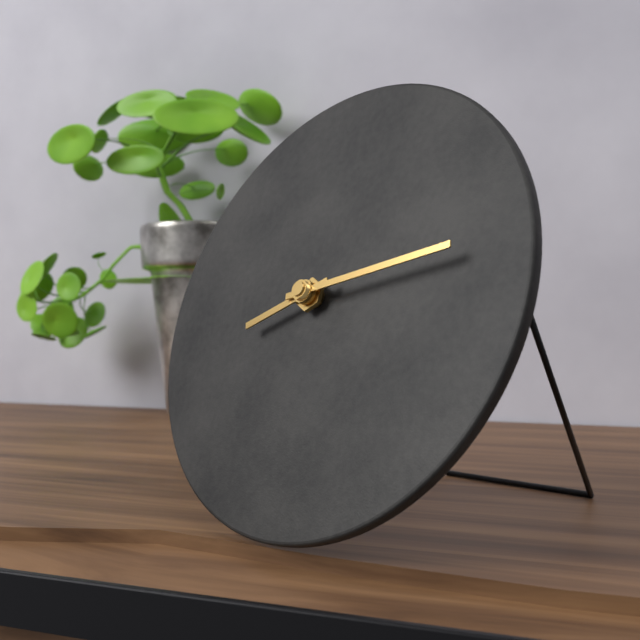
8 h 13 min
